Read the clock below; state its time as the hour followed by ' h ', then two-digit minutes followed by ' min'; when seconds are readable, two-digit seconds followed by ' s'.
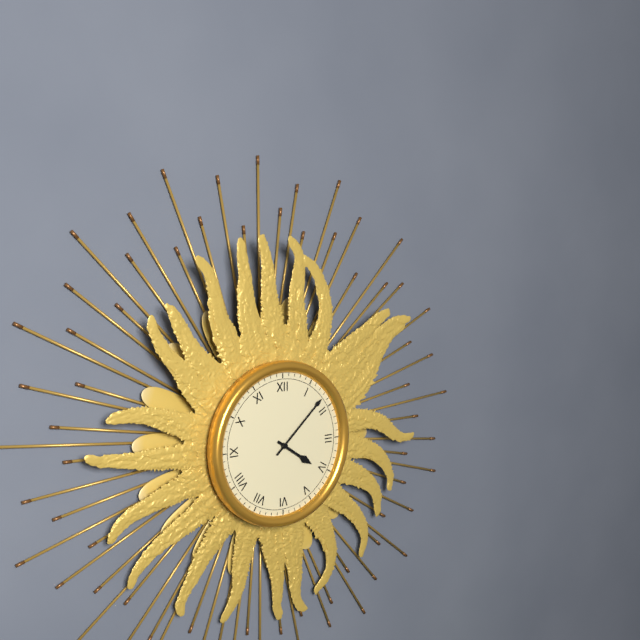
4 h 08 min
